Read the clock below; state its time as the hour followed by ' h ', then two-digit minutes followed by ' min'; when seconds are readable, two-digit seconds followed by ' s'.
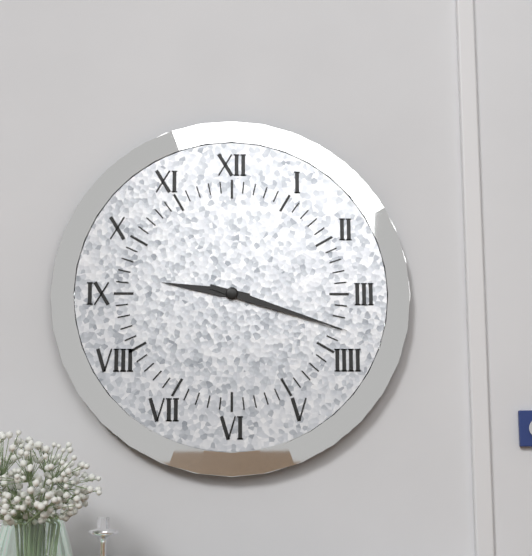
9 h 18 min
